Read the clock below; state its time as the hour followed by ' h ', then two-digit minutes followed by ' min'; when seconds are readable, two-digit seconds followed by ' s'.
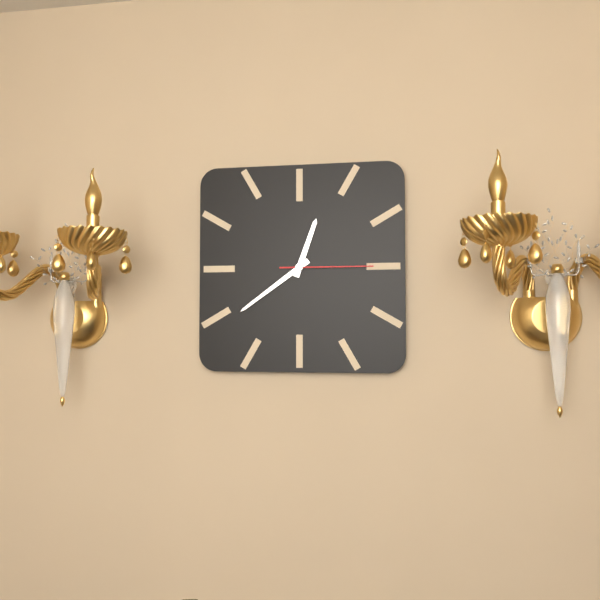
12 h 39 min 15 s
